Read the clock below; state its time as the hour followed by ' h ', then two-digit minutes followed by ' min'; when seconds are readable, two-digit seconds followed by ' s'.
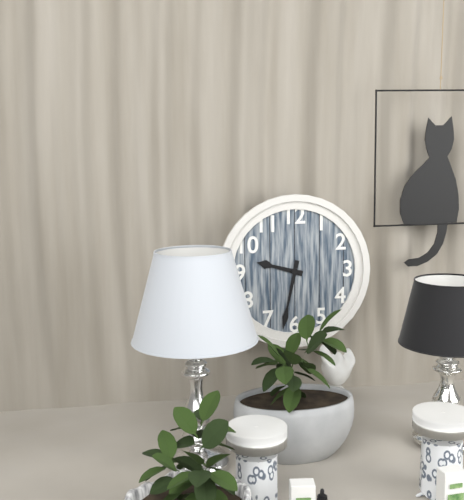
9 h 32 min
